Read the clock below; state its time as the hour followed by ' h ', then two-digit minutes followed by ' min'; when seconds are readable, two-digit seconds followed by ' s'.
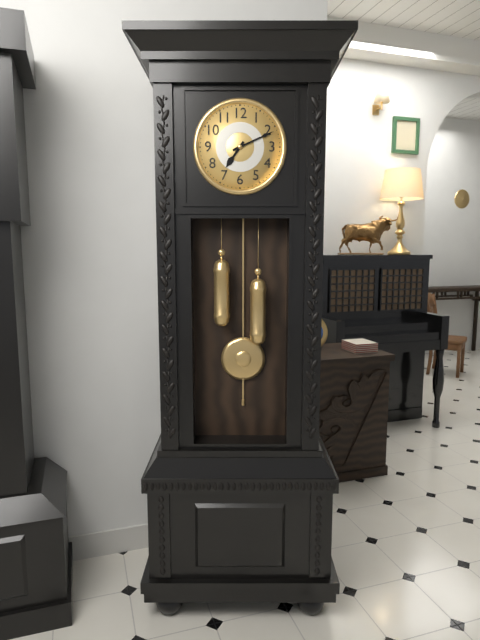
7 h 11 min
